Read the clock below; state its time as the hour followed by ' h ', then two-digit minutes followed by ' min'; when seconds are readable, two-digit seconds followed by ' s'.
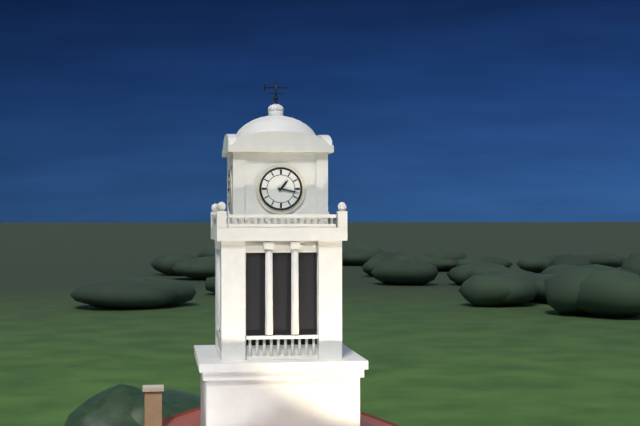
1 h 17 min
